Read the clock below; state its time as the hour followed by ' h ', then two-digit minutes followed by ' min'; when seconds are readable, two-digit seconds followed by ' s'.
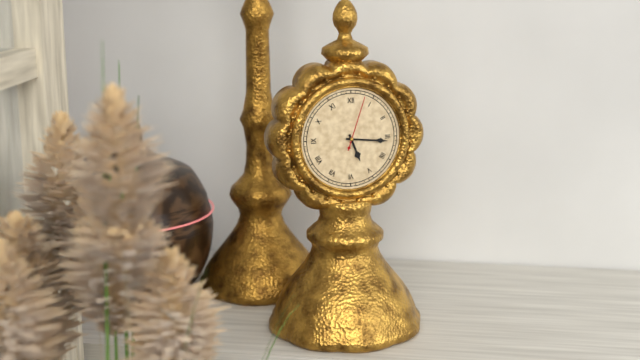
5 h 16 min 03 s
